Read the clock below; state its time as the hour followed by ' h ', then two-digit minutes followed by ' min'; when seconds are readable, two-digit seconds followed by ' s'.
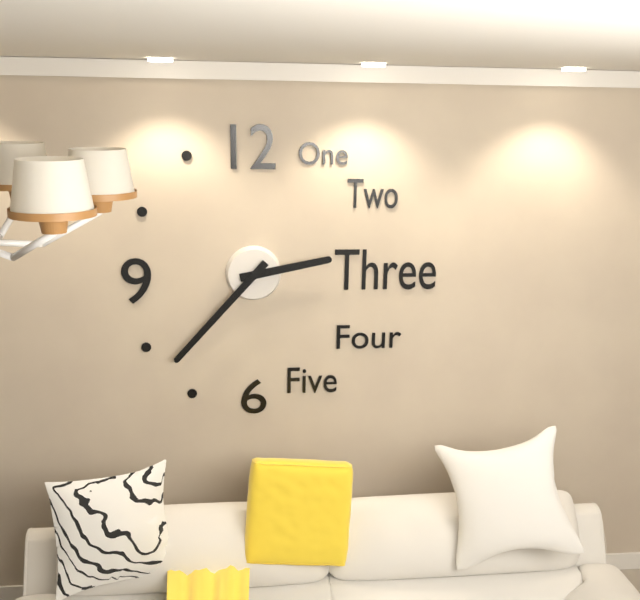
2 h 37 min
